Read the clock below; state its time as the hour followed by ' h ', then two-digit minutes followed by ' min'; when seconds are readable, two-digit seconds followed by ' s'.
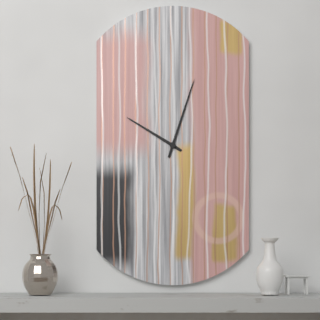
10 h 03 min
